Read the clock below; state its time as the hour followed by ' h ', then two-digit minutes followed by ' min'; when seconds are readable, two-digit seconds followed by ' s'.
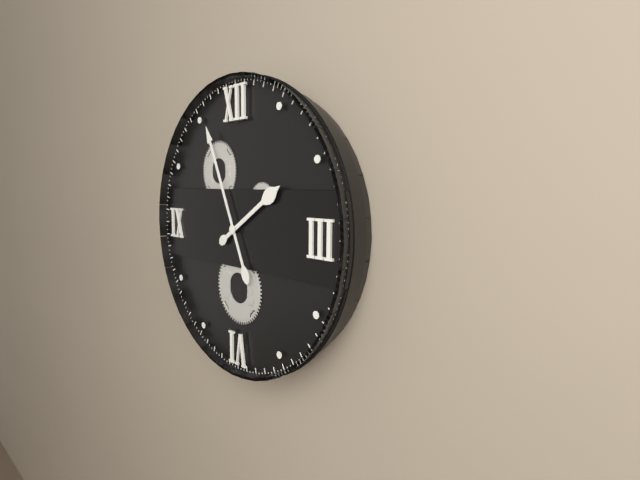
1 h 56 min
